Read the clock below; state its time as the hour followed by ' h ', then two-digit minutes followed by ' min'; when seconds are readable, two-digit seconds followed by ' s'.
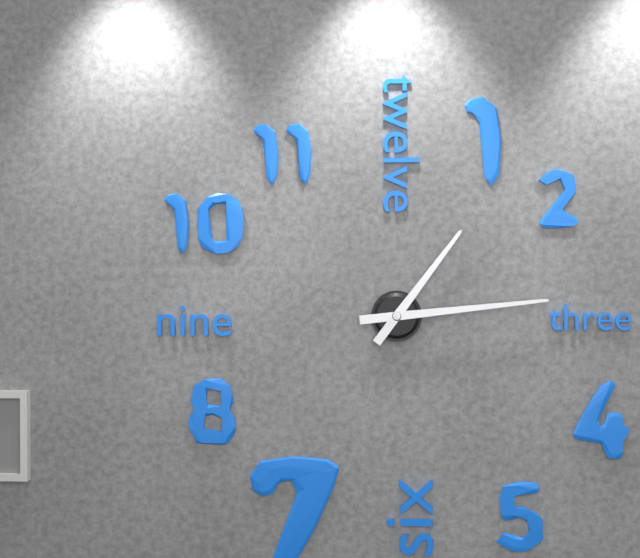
1 h 14 min
